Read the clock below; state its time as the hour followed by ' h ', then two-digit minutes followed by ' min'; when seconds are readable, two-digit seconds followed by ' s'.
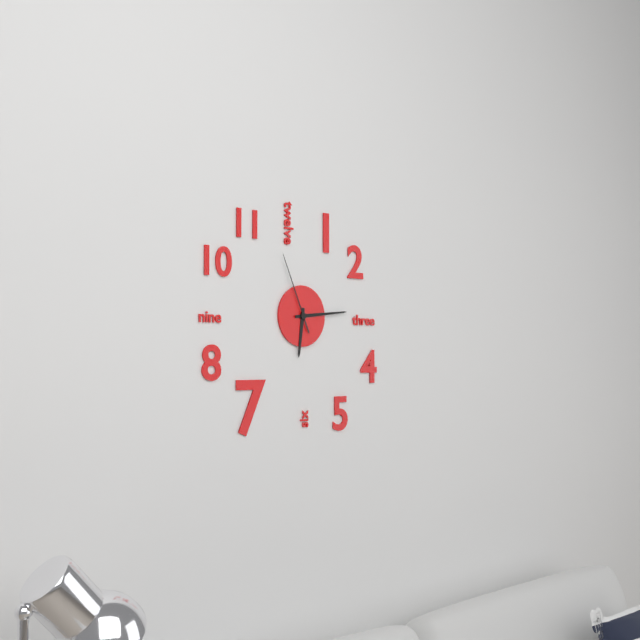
6 h 14 min 56 s
